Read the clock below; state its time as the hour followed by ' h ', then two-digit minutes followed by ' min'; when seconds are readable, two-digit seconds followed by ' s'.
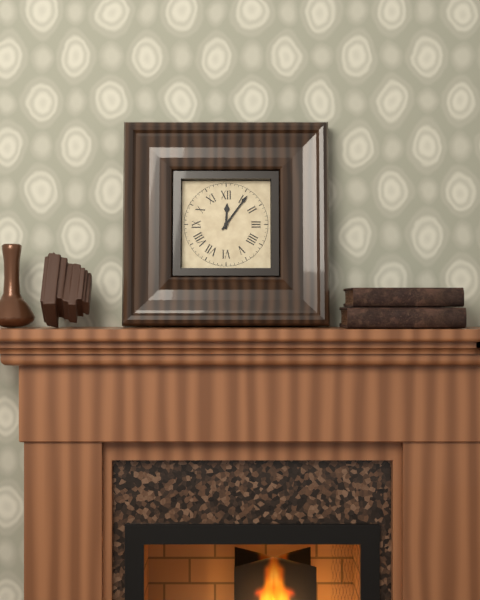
12 h 06 min
